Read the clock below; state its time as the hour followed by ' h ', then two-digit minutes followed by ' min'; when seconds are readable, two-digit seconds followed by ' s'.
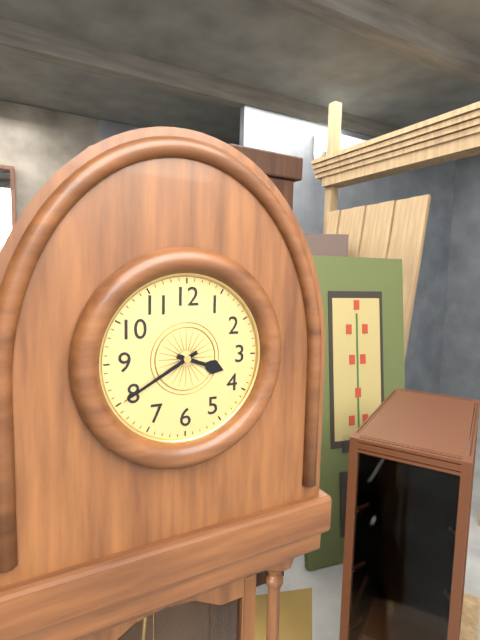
3 h 40 min
